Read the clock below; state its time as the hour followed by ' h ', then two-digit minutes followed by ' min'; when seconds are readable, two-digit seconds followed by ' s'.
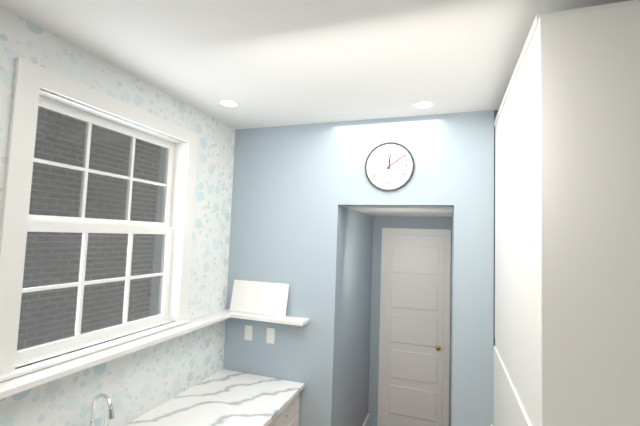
12 h 09 min
